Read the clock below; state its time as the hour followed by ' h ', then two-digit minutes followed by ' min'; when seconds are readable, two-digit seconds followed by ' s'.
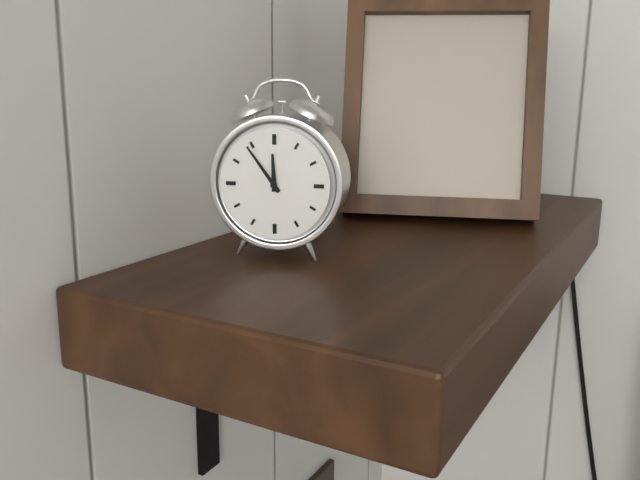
11 h 54 min
